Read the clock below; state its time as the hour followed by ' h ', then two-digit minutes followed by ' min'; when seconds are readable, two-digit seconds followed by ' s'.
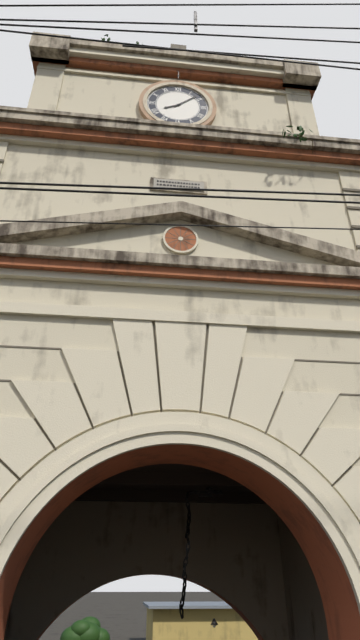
8 h 08 min
